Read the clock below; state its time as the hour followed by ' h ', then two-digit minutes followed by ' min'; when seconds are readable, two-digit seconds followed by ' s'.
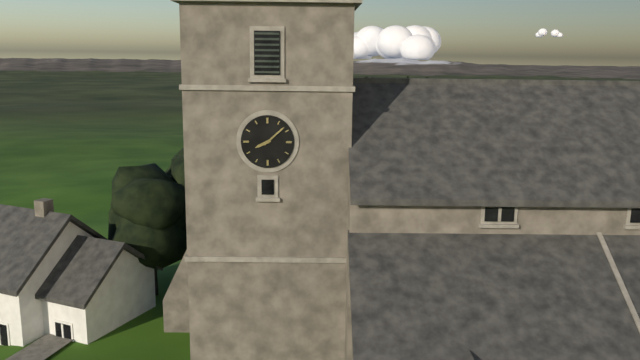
8 h 08 min
